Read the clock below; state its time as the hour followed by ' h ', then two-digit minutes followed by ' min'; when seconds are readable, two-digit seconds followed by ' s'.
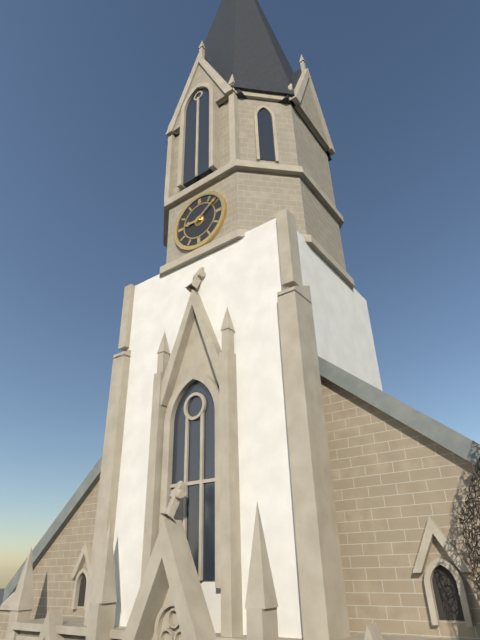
9 h 09 min
